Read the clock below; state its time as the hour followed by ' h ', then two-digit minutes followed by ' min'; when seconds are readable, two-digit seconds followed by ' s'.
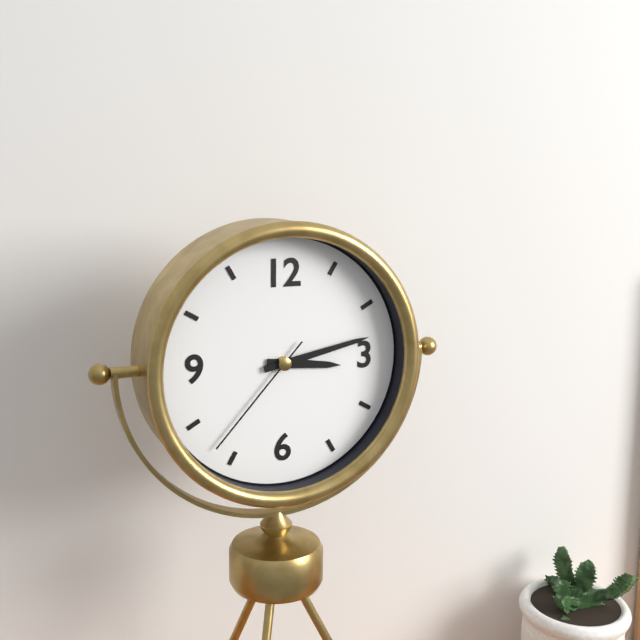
3 h 13 min 37 s
